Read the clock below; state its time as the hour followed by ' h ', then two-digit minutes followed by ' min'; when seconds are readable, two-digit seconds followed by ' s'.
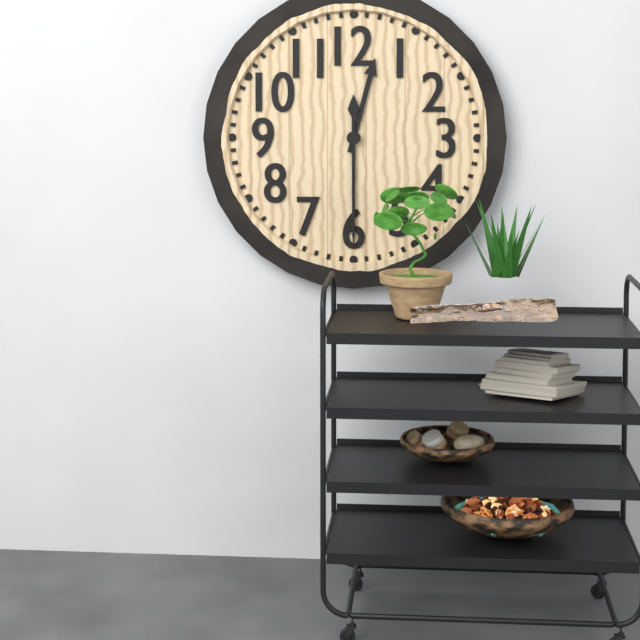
12 h 30 min
